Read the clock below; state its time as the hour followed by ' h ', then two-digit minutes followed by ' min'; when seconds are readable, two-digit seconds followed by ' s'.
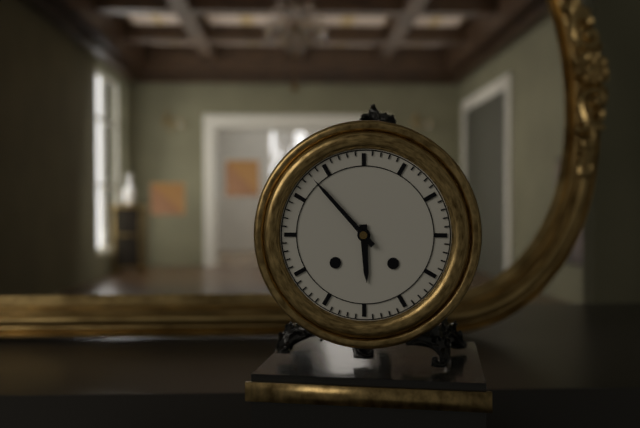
5 h 53 min
